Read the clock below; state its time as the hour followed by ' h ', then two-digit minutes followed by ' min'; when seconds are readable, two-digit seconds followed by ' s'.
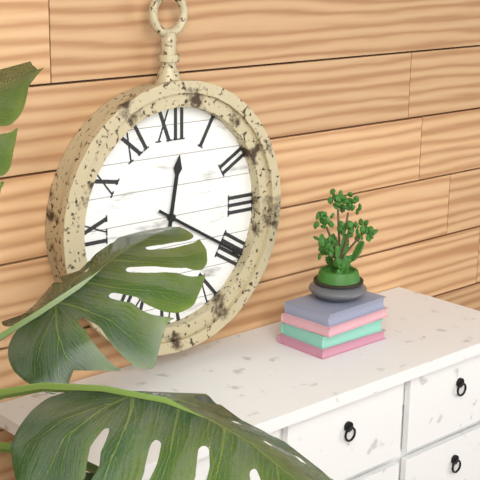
12 h 20 min
